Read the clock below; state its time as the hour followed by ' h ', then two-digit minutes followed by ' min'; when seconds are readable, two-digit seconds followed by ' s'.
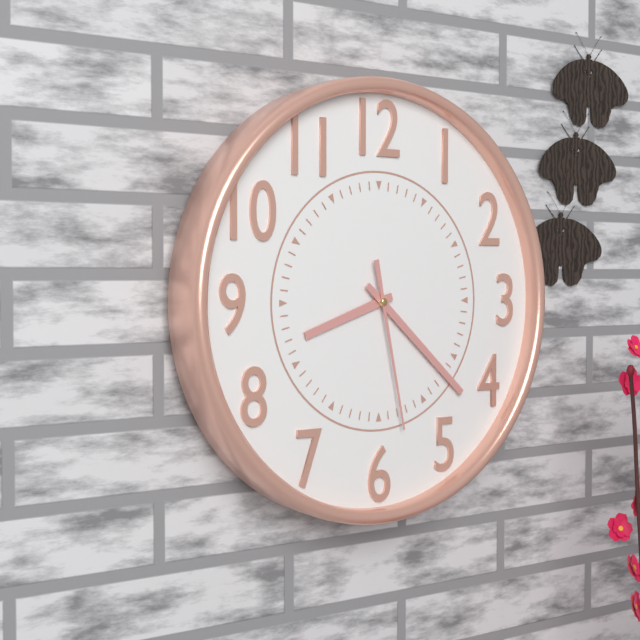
8 h 22 min 28 s
